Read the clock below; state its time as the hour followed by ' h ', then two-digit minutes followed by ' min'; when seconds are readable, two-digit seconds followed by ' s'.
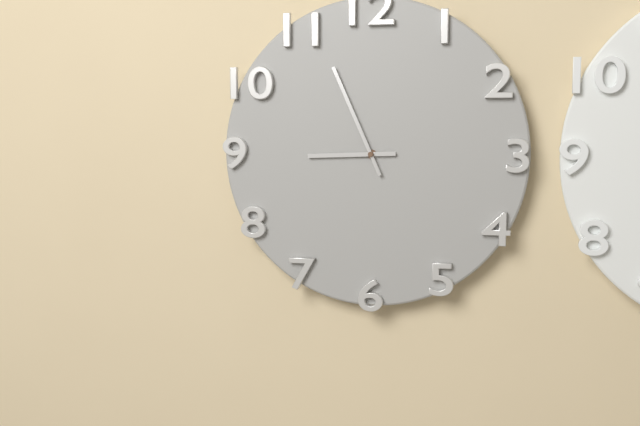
8 h 56 min
